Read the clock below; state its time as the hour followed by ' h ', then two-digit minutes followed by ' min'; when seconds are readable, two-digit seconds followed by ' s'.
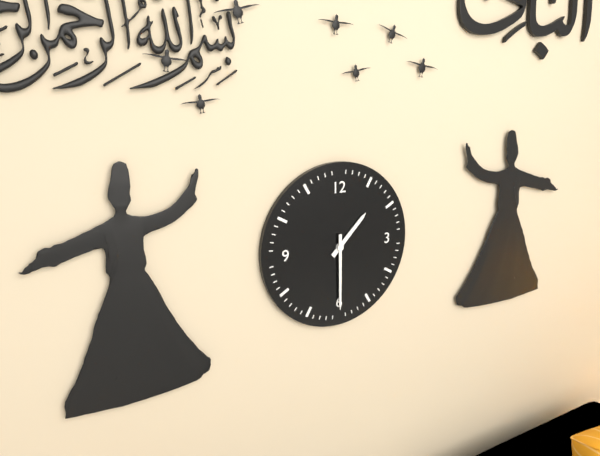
1 h 30 min
